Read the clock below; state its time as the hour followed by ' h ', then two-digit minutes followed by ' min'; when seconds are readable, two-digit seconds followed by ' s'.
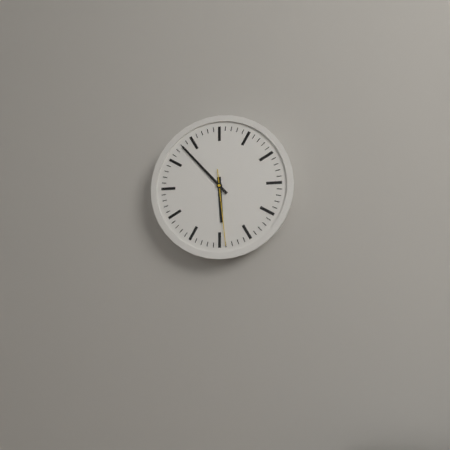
5 h 53 min 29 s
